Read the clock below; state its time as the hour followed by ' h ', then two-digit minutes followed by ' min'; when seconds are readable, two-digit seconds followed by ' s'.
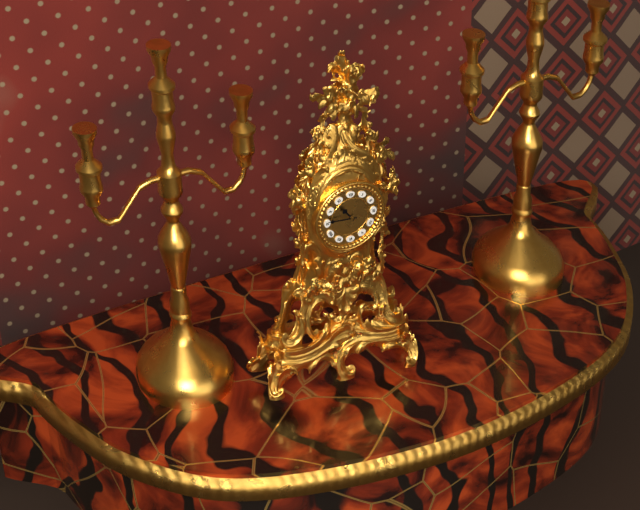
10 h 46 min
